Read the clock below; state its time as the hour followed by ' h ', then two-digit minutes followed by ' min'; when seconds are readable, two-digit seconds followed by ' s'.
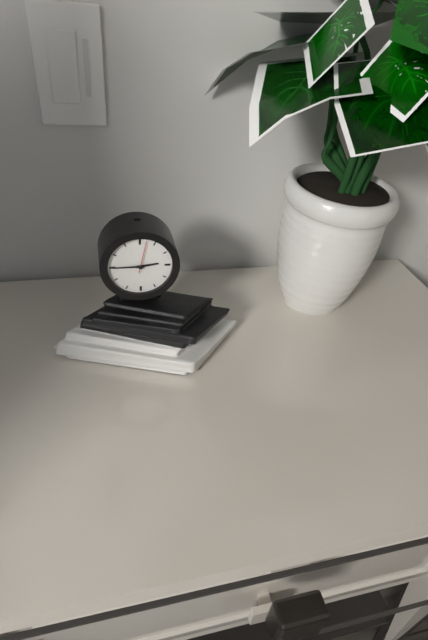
2 h 45 min
